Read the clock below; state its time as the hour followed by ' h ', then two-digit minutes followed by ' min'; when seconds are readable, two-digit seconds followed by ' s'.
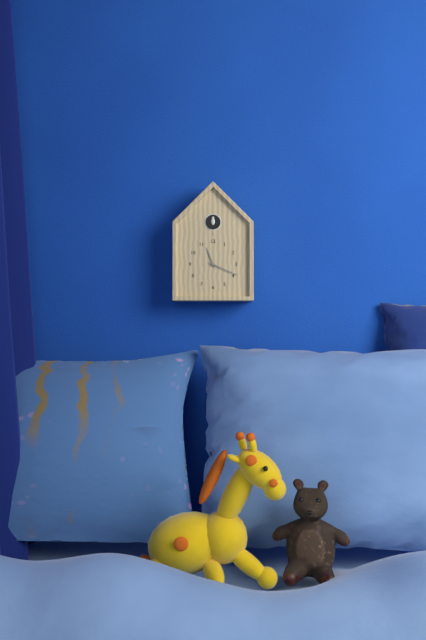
11 h 19 min
